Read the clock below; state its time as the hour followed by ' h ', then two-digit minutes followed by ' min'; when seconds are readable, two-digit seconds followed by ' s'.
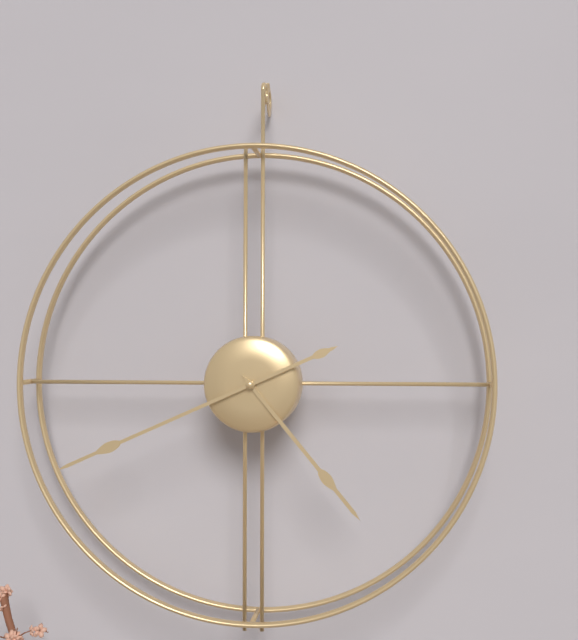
4 h 41 min
